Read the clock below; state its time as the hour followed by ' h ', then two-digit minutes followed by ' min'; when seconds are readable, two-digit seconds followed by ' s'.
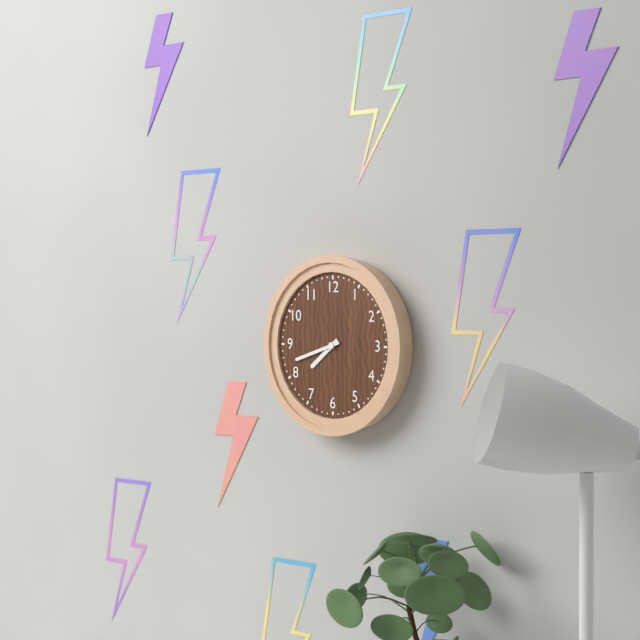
7 h 42 min
